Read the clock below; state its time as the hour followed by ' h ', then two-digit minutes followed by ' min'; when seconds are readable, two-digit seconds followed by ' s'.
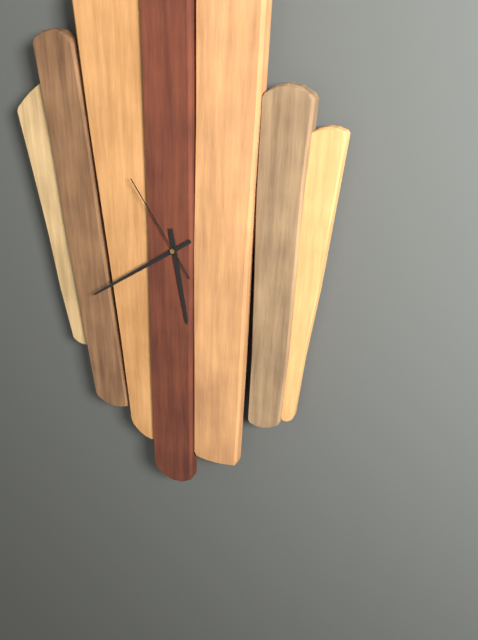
5 h 39 min 54 s
